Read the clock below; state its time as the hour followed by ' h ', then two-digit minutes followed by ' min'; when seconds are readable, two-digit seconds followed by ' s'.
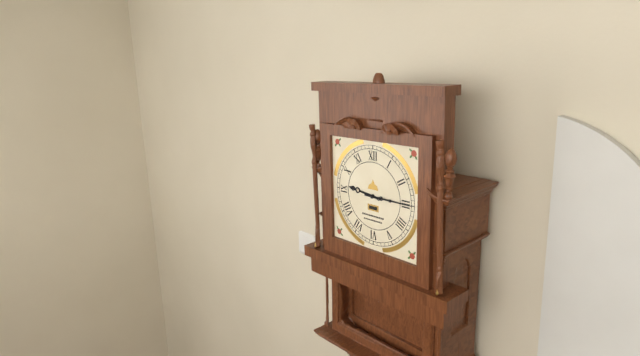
9 h 15 min
